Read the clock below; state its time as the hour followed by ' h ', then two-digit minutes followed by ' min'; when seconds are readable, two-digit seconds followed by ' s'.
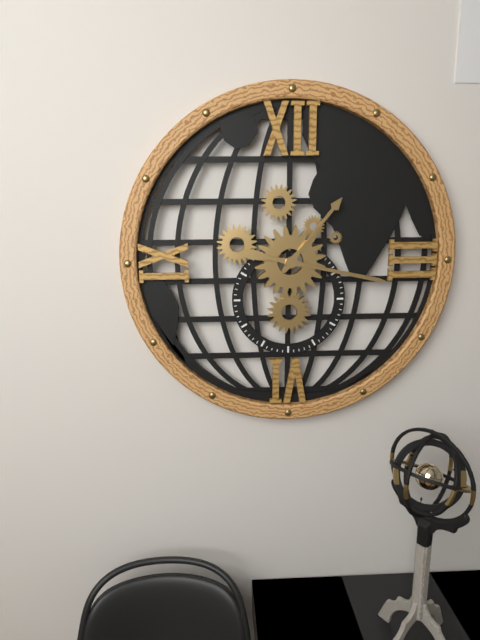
1 h 17 min
